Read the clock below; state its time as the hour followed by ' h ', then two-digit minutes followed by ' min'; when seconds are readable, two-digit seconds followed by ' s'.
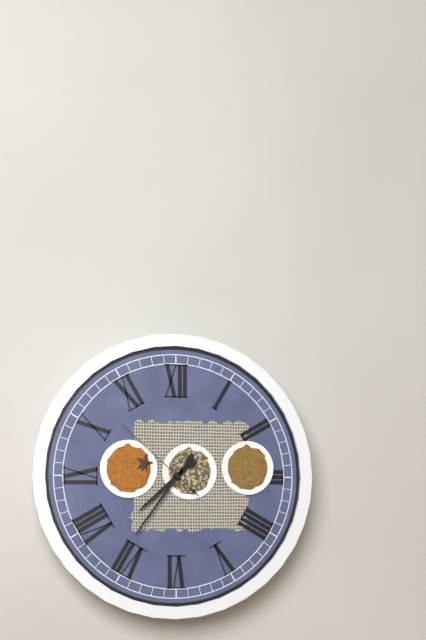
7 h 36 min 52 s
